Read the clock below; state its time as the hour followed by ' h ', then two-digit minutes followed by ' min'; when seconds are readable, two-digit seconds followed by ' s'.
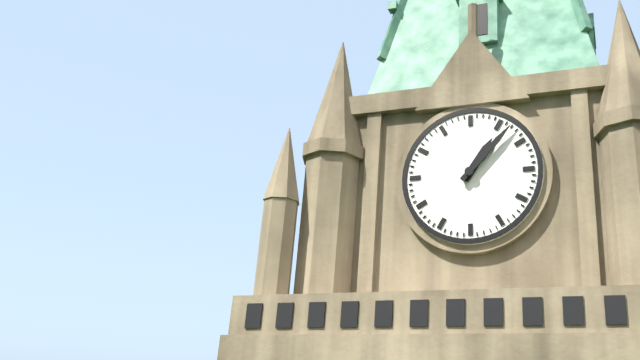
1 h 07 min
